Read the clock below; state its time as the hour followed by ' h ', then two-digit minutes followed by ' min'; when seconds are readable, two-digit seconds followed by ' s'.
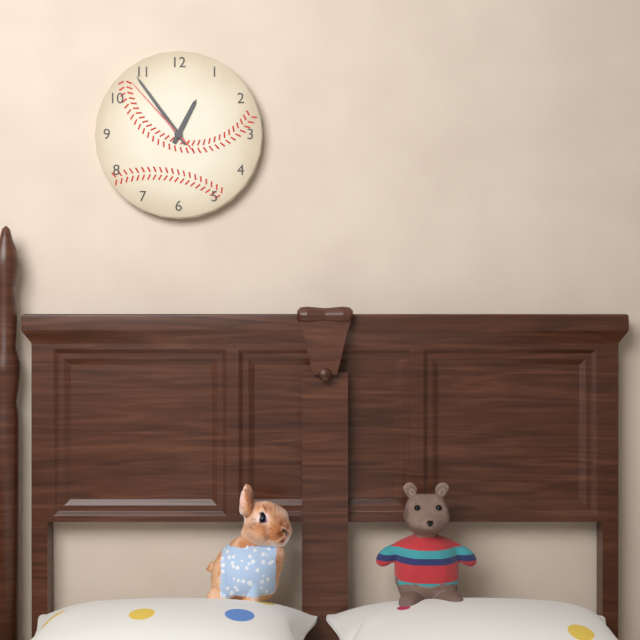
12 h 54 min 53 s
